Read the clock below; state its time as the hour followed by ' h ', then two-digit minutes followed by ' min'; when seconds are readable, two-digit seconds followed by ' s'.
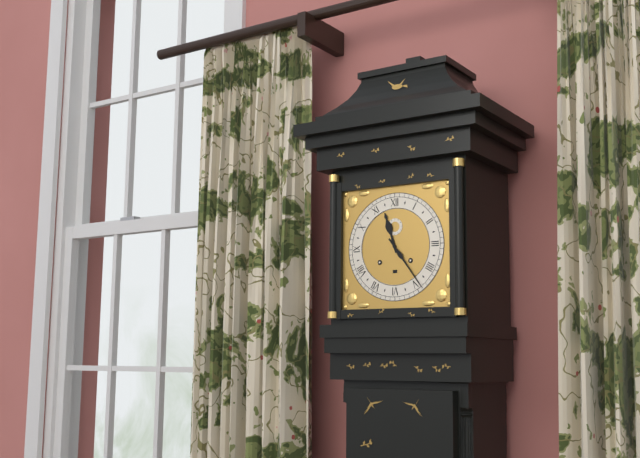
11 h 24 min
